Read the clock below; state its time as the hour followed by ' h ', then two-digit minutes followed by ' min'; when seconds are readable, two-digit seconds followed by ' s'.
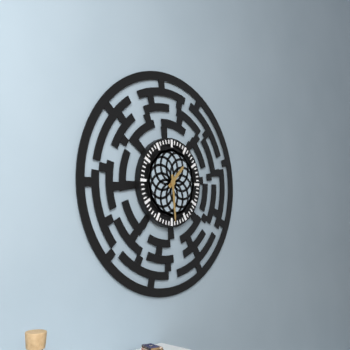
1 h 29 min
